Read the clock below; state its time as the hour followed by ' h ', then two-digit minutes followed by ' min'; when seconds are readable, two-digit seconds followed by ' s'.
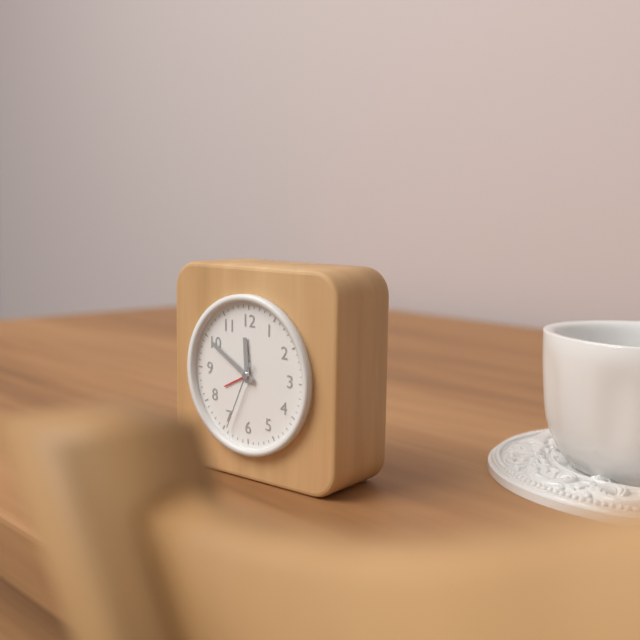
11 h 50 min 34 s
